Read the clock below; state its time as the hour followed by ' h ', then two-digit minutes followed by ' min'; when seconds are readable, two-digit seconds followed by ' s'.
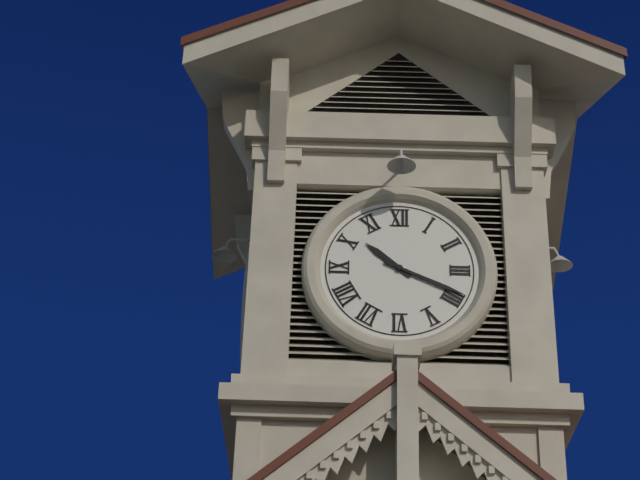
10 h 19 min
